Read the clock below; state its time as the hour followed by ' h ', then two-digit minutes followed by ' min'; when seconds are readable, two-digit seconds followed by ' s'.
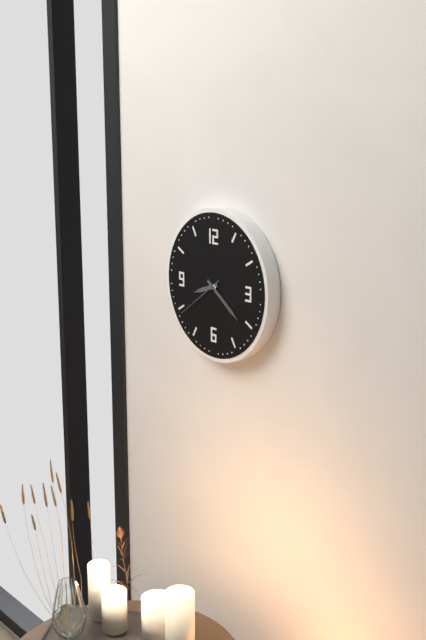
8 h 21 min 39 s
